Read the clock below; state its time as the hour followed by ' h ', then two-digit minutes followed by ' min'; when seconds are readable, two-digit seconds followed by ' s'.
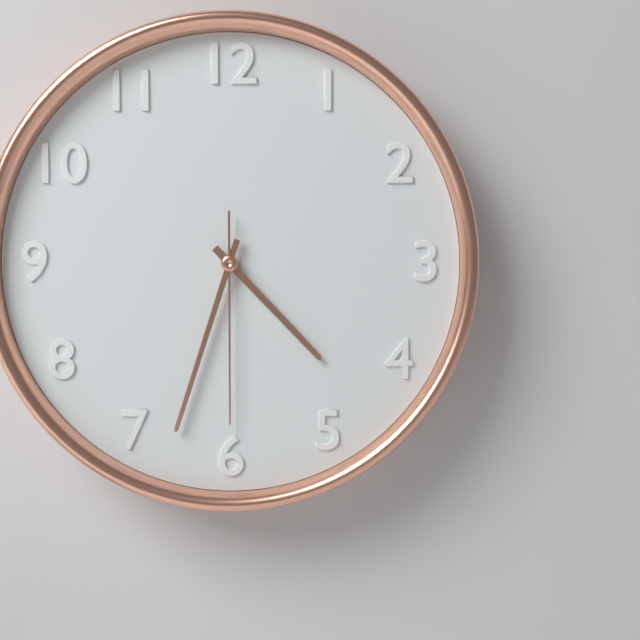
4 h 33 min 30 s
